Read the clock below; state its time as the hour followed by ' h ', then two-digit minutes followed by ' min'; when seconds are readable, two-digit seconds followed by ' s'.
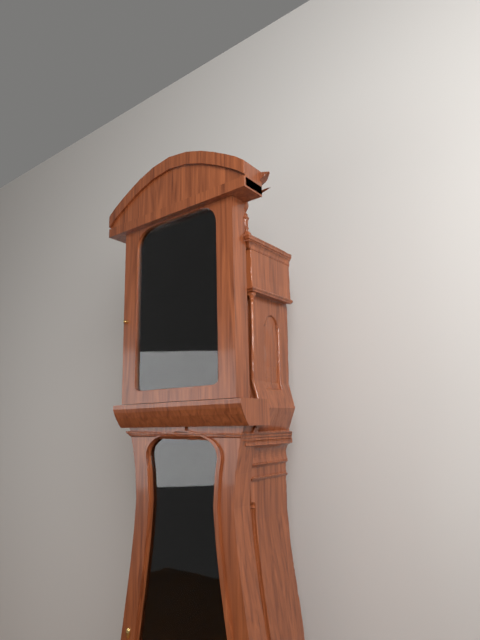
2 h 55 min
